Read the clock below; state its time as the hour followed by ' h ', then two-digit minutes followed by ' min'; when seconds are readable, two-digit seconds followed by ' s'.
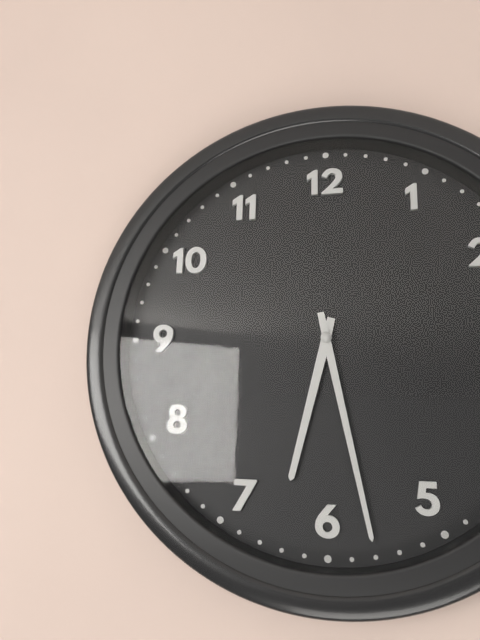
6 h 28 min
